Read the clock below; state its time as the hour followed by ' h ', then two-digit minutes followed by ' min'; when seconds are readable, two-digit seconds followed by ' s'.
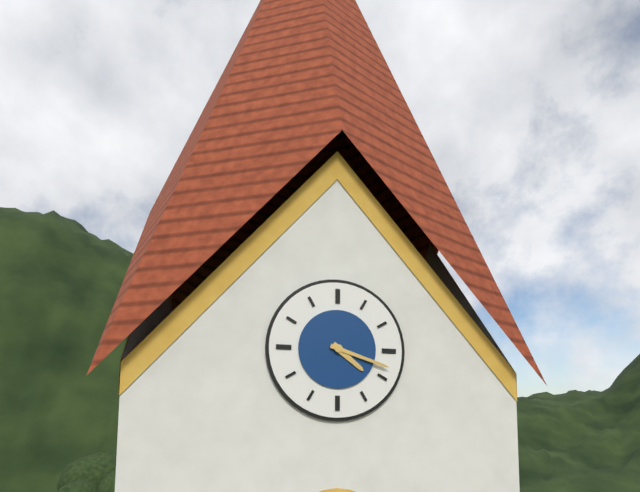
4 h 18 min
